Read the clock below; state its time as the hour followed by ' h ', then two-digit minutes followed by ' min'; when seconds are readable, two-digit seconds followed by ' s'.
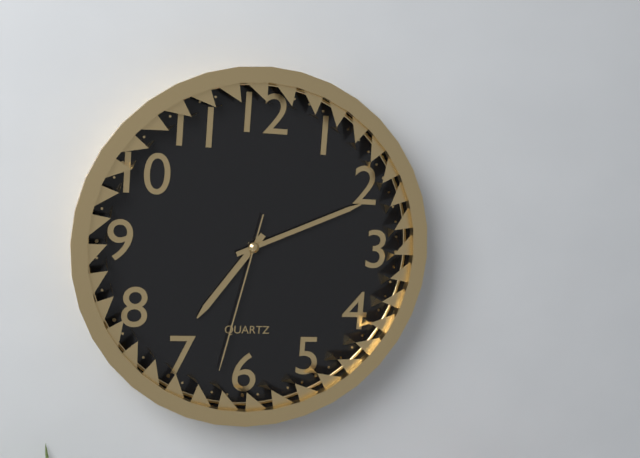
7 h 11 min 32 s
